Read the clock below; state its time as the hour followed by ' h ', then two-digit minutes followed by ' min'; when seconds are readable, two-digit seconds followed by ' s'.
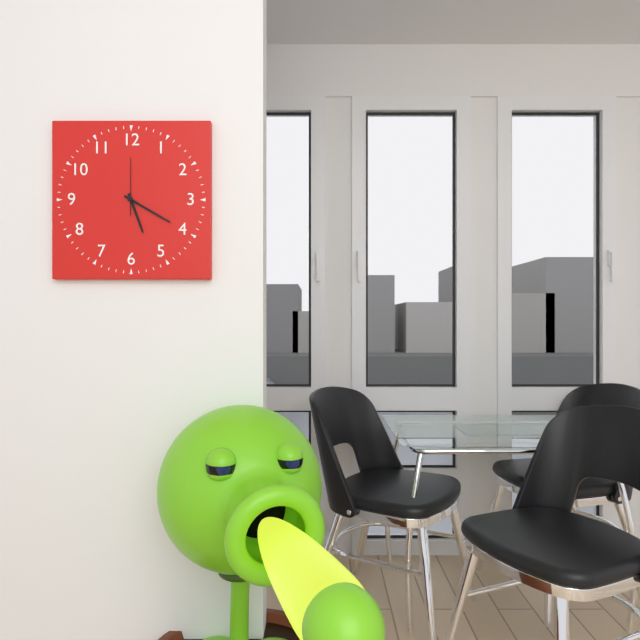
5 h 20 min 00 s
